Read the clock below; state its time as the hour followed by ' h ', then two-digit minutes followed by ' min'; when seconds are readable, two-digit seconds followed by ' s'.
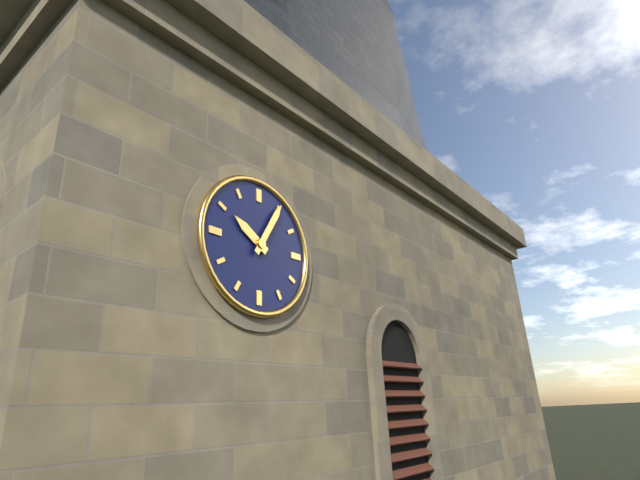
10 h 05 min
